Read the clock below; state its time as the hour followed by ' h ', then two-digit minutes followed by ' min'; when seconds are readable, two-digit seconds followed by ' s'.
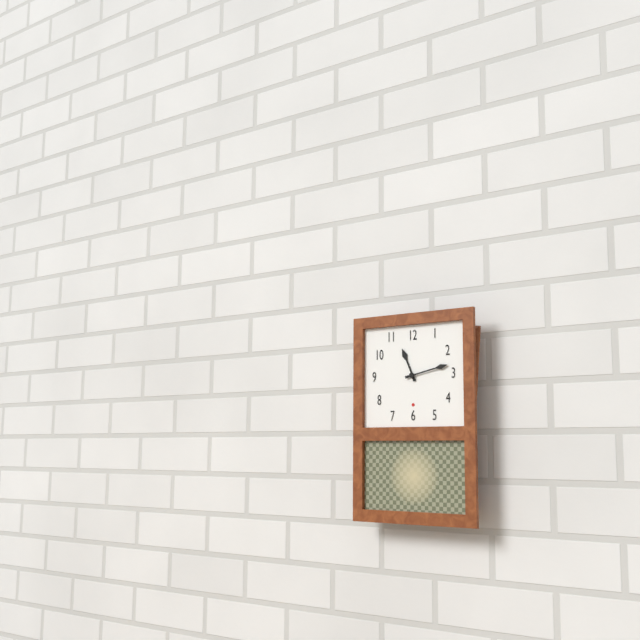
11 h 13 min
